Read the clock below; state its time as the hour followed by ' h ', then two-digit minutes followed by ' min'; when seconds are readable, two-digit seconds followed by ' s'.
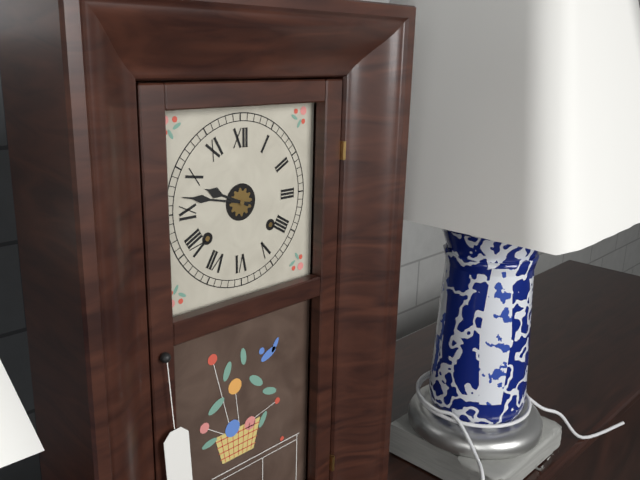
9 h 47 min
